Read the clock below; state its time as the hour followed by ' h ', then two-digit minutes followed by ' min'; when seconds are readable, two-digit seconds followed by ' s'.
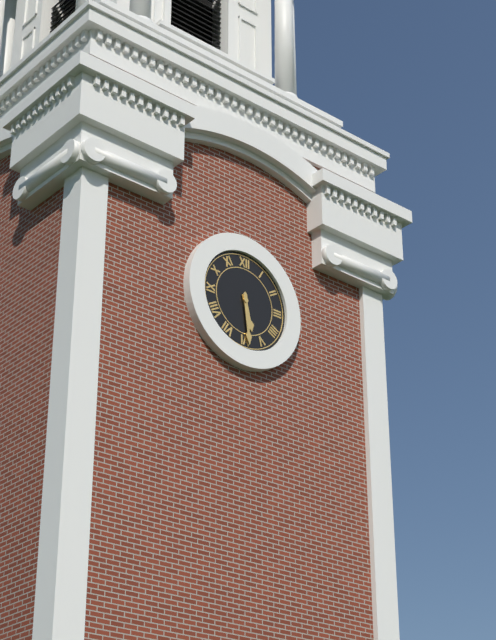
5 h 29 min
